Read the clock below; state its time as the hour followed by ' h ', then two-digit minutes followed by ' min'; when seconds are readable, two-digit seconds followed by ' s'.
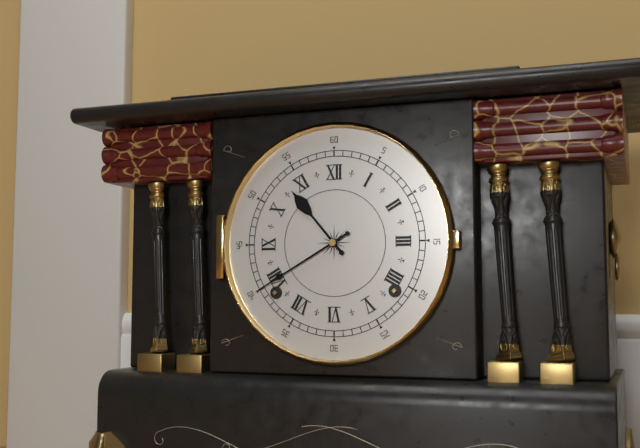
10 h 40 min
